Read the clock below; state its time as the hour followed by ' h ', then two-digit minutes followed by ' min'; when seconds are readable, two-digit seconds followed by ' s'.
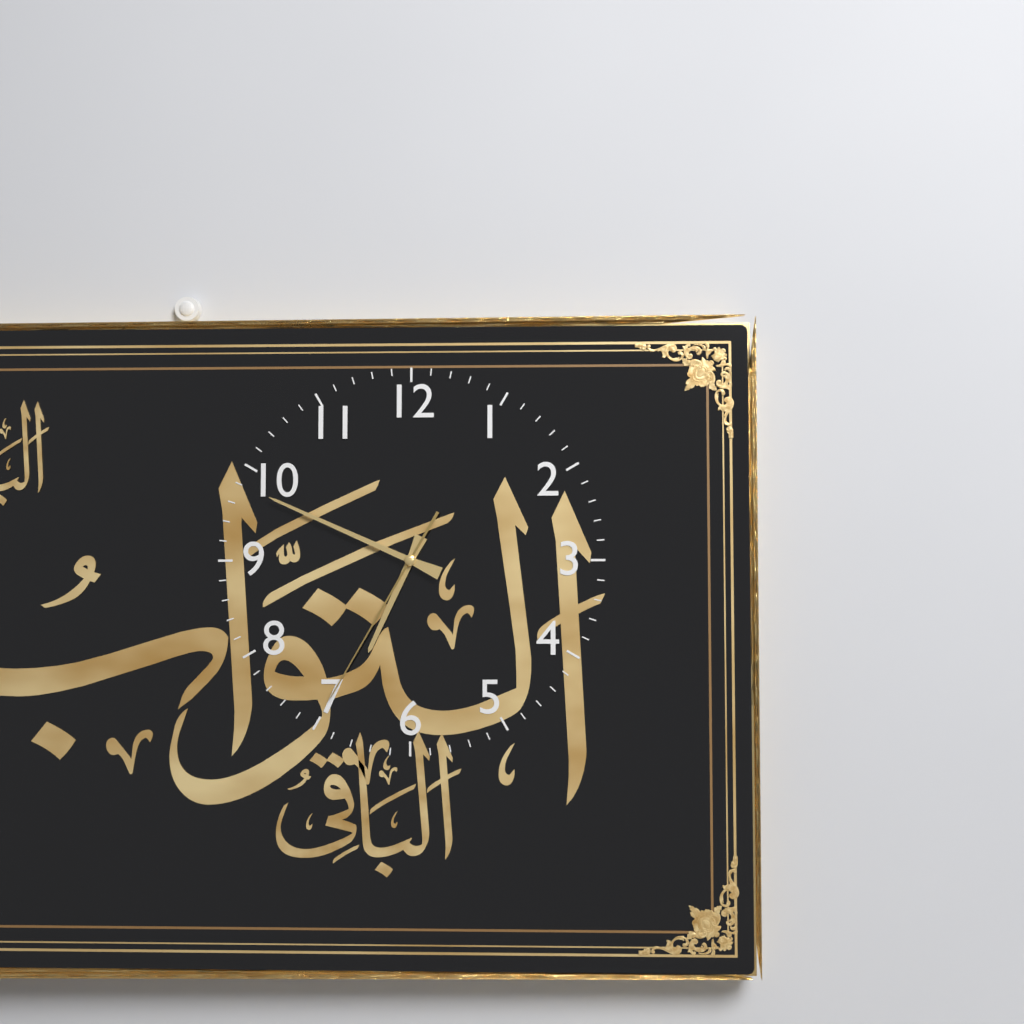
6 h 49 min 35 s
